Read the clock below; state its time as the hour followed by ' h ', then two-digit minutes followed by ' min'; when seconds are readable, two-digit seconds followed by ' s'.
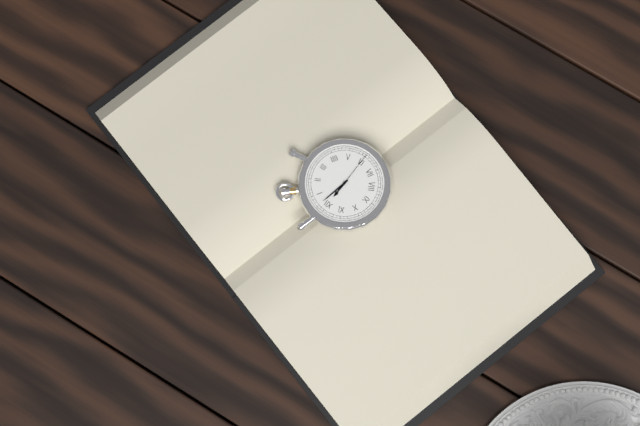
12 h 02 min
